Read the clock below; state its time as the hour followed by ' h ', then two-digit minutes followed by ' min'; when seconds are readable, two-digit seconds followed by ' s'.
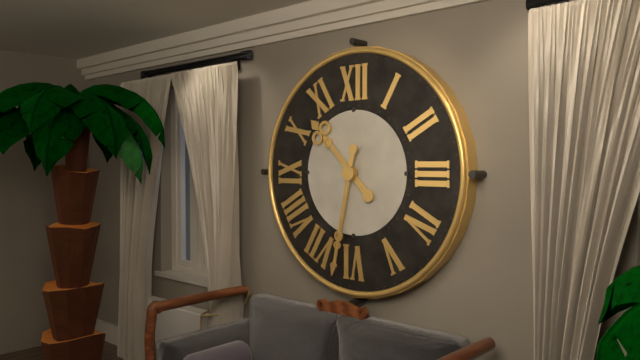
10 h 32 min
